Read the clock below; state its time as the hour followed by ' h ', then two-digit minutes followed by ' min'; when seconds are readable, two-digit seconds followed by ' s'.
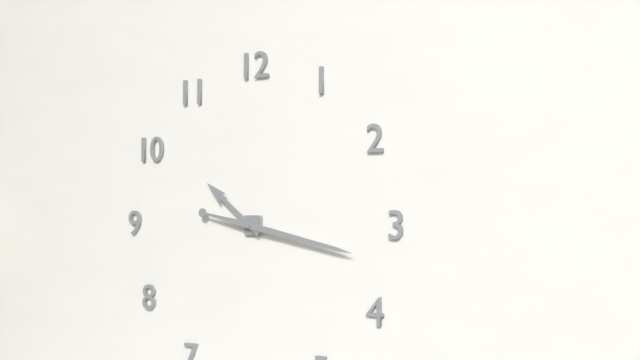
10 h 17 min
